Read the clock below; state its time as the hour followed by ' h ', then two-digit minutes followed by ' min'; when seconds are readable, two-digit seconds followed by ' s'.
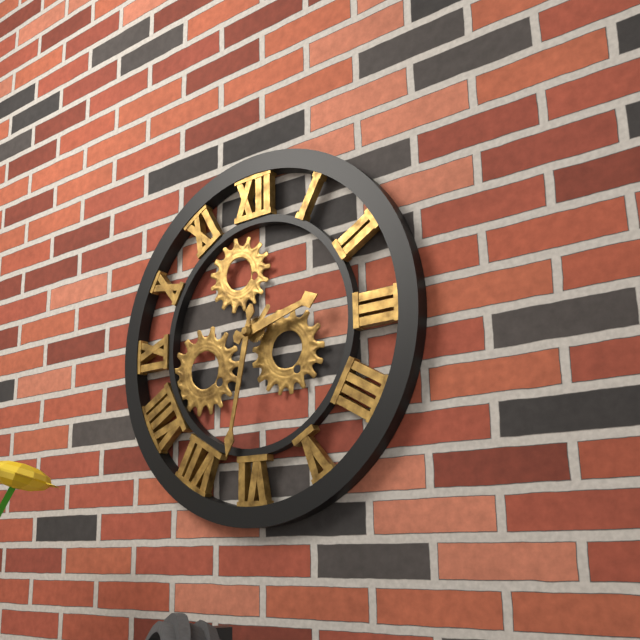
2 h 32 min
